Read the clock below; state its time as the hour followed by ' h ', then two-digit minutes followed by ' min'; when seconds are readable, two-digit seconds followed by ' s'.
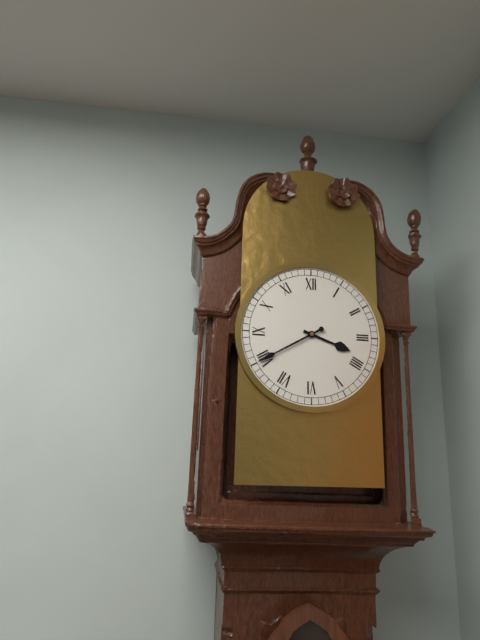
3 h 40 min
